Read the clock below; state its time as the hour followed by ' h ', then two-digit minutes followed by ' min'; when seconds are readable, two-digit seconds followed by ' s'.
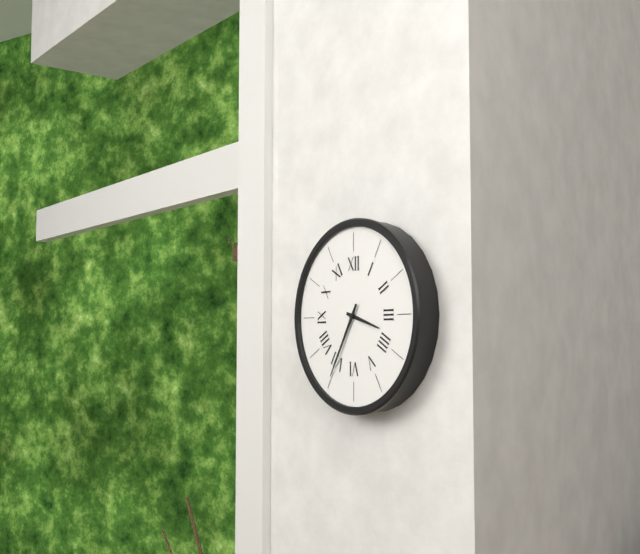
3 h 35 min
